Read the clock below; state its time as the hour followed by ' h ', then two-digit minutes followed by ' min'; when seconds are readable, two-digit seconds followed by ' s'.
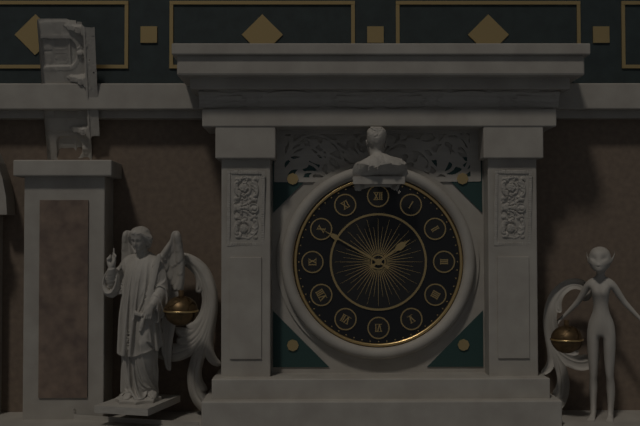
1 h 50 min
